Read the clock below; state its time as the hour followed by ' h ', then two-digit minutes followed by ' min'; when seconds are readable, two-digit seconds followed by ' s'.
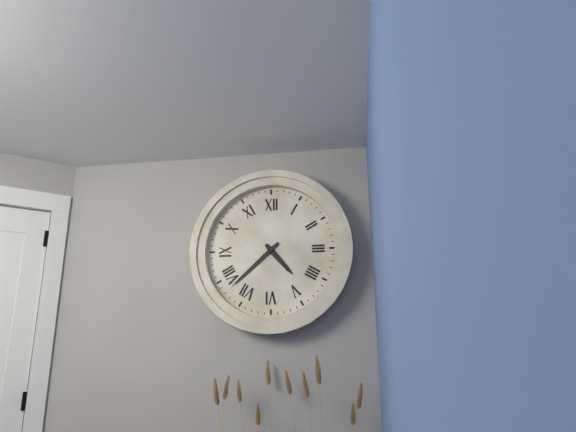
4 h 38 min
